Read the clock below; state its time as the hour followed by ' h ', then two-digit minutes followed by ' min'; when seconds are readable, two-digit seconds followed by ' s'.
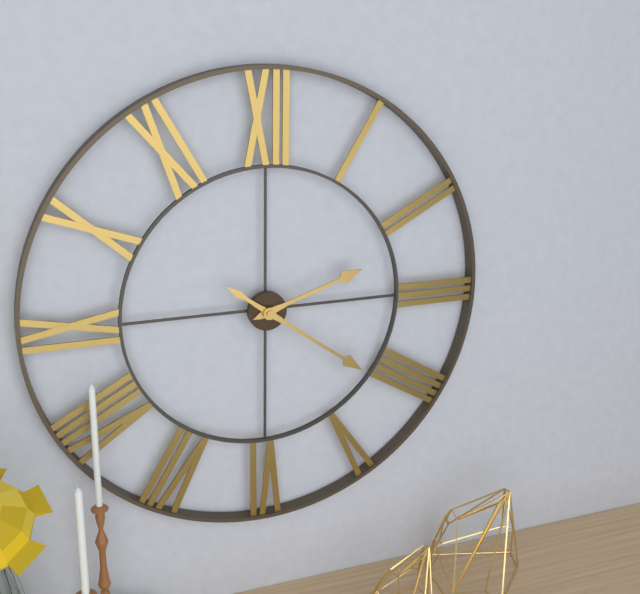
2 h 21 min
